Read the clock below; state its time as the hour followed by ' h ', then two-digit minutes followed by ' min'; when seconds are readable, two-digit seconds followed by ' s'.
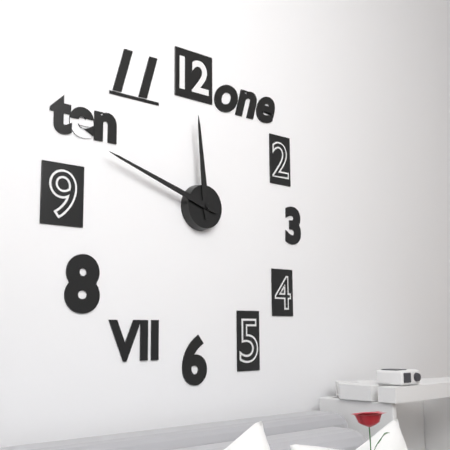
11 h 48 min
